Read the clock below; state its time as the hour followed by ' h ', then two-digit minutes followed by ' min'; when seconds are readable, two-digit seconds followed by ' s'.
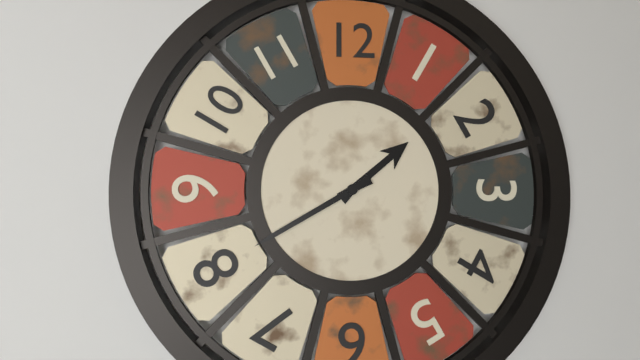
1 h 40 min
